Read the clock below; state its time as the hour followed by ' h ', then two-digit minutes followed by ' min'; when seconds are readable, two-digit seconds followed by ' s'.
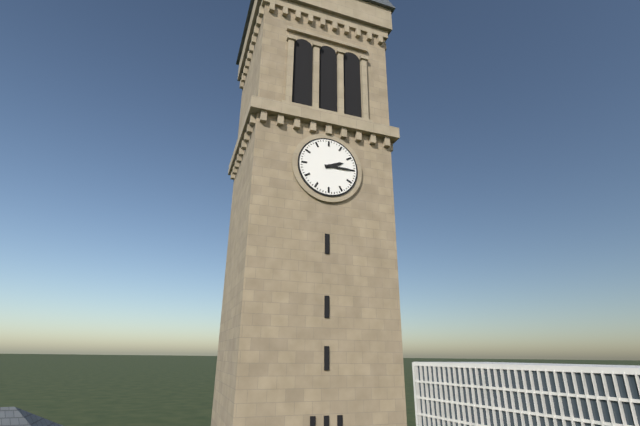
2 h 15 min
